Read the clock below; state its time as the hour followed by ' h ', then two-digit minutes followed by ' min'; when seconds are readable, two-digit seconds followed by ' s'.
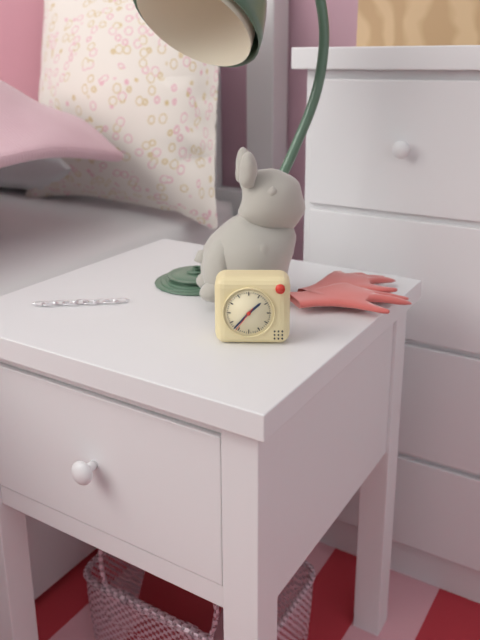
1 h 37 min
